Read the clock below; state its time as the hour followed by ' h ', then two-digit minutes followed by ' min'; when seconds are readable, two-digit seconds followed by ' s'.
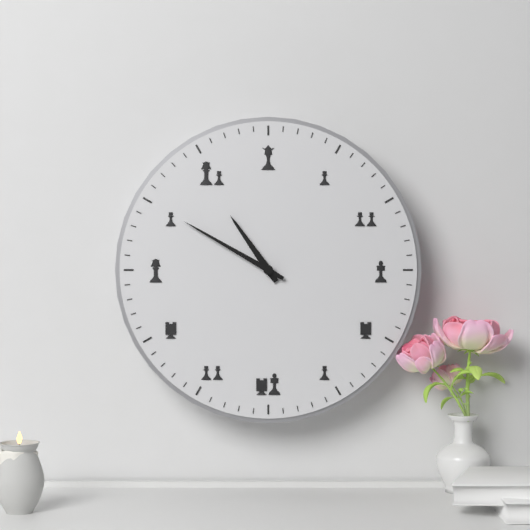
10 h 50 min
